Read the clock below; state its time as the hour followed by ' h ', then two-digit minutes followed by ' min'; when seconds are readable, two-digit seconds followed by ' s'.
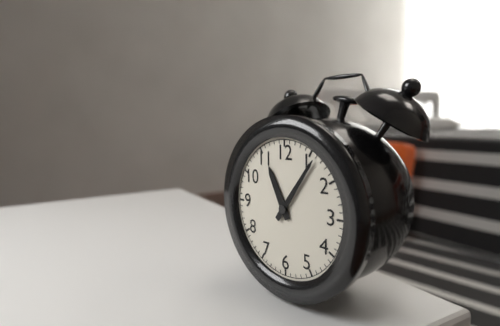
11 h 06 min
